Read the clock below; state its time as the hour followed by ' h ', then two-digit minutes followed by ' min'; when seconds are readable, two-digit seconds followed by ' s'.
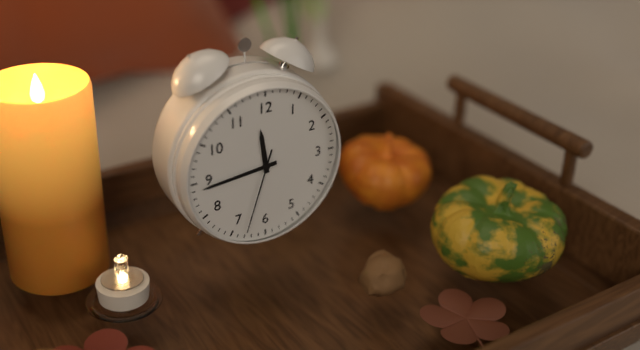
11 h 44 min 33 s
